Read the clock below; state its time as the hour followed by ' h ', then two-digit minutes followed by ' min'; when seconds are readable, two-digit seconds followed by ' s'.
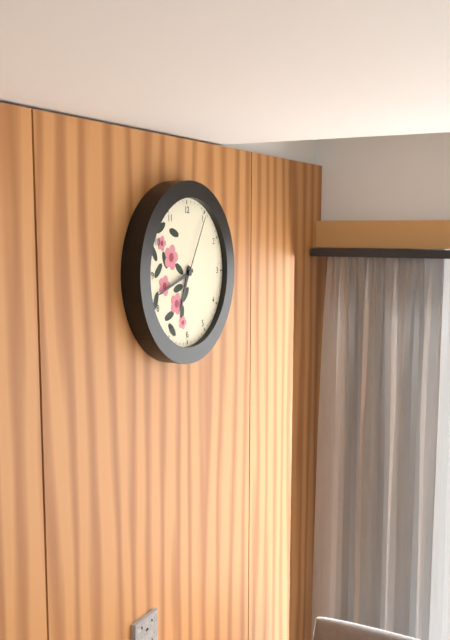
6 h 42 min 05 s
